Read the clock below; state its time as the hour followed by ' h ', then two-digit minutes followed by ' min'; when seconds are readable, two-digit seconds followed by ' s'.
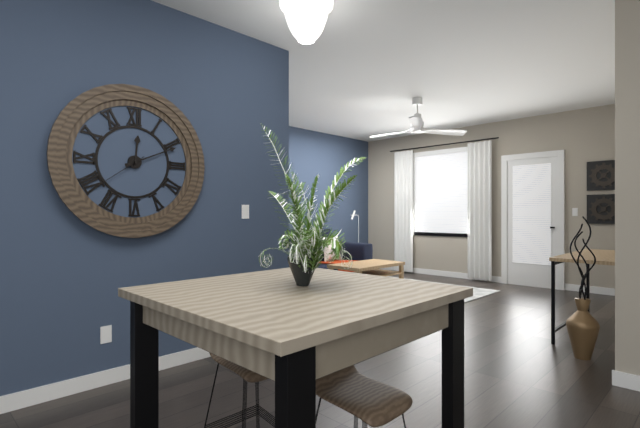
12 h 11 min 39 s
